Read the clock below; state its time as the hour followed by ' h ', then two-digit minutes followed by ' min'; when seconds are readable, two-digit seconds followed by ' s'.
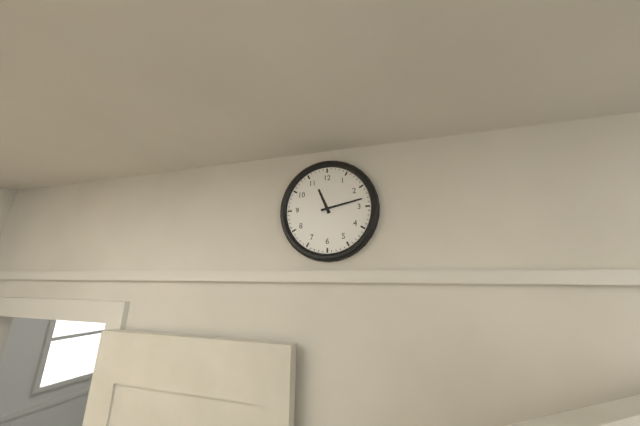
11 h 13 min
